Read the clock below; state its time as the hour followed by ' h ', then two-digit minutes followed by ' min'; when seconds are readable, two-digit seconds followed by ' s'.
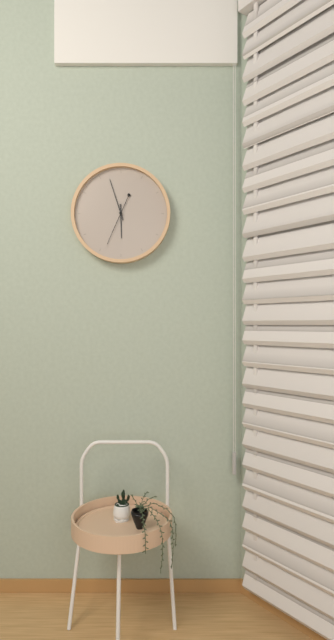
5 h 57 min
